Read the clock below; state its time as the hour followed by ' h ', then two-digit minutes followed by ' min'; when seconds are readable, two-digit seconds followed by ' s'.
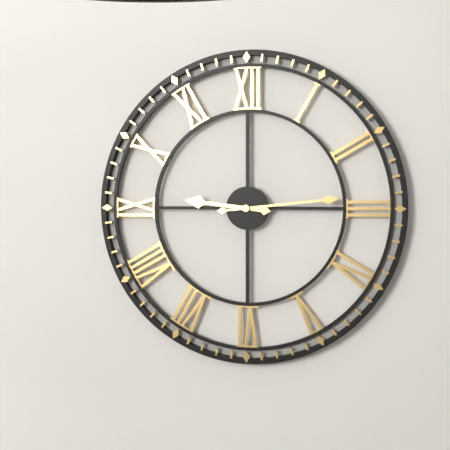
9 h 14 min
